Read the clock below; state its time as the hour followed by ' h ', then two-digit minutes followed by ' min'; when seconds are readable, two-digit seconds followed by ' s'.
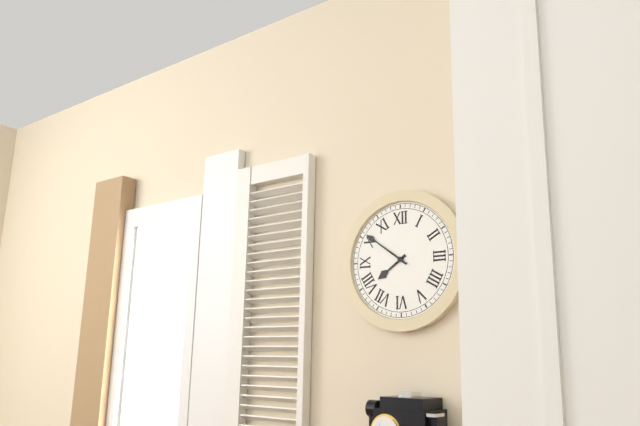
7 h 51 min
